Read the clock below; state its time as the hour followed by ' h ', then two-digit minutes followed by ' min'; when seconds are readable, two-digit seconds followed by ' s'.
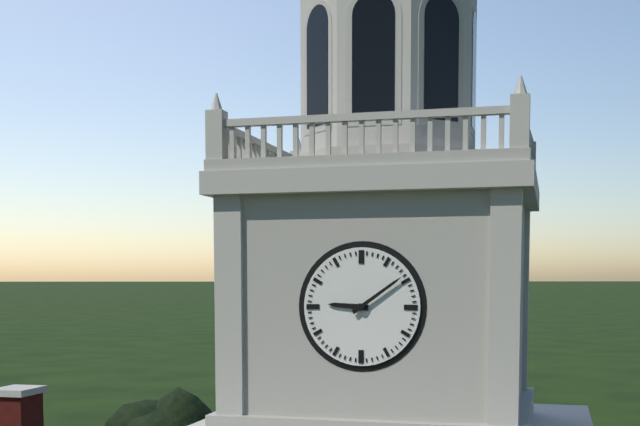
9 h 09 min
